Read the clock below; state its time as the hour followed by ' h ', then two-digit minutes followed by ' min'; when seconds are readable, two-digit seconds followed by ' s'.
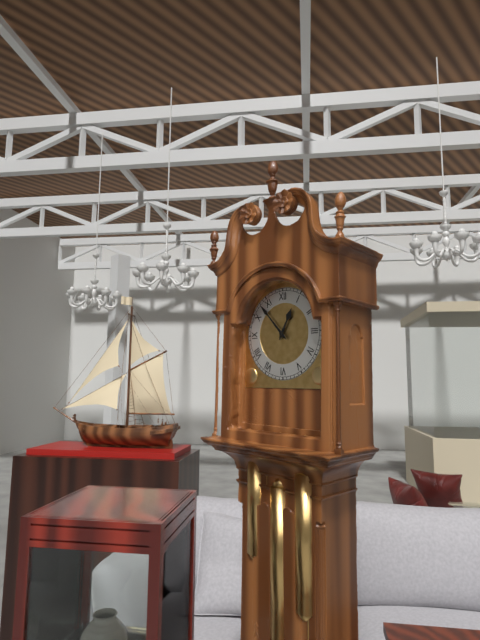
12 h 53 min
